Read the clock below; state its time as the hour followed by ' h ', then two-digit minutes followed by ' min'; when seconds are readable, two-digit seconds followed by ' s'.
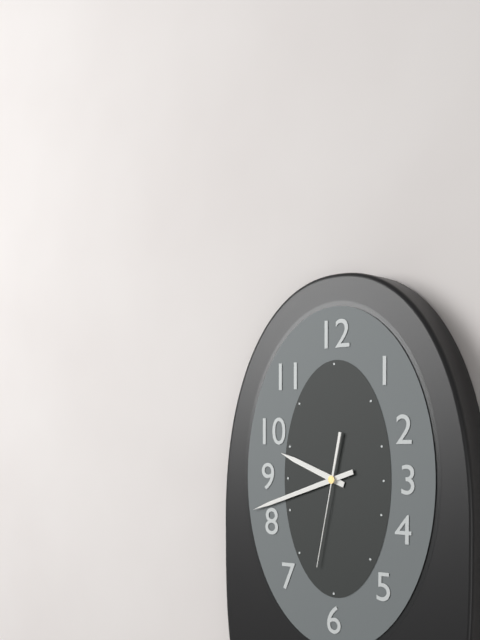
9 h 42 min 32 s
